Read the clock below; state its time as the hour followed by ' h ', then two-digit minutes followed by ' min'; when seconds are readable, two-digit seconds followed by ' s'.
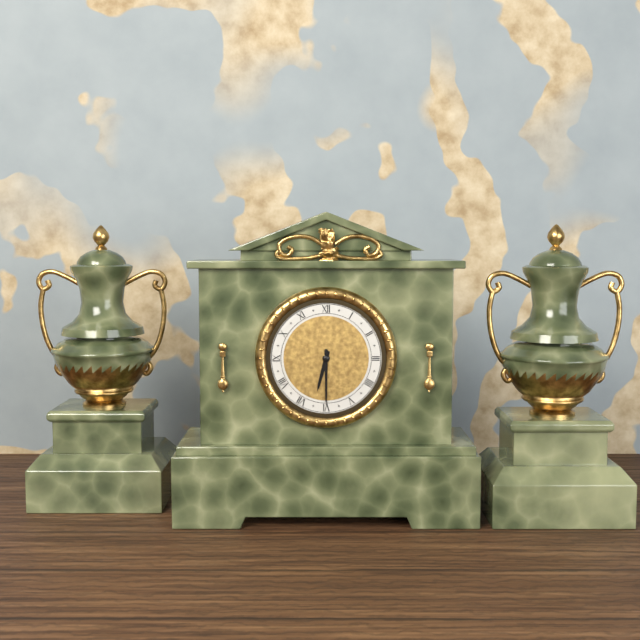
6 h 30 min
